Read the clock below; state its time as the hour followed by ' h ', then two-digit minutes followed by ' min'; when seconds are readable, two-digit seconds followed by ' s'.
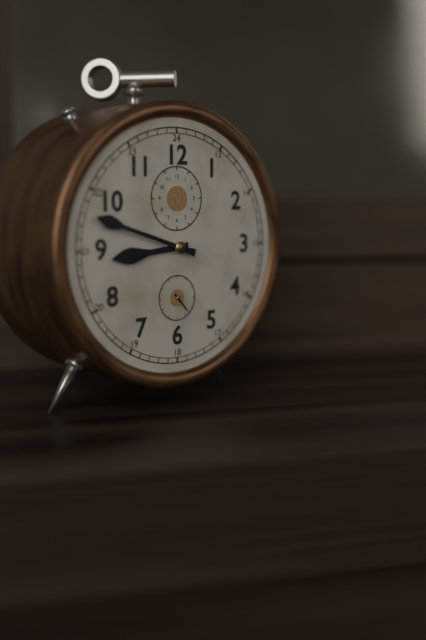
8 h 48 min
